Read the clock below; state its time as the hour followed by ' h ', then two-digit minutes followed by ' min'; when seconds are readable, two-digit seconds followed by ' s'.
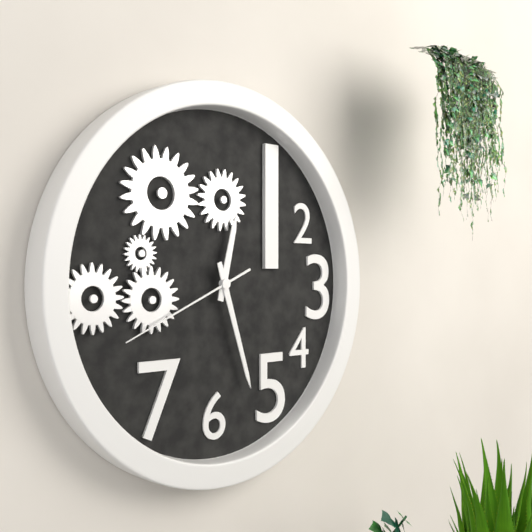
12 h 27 min 41 s
